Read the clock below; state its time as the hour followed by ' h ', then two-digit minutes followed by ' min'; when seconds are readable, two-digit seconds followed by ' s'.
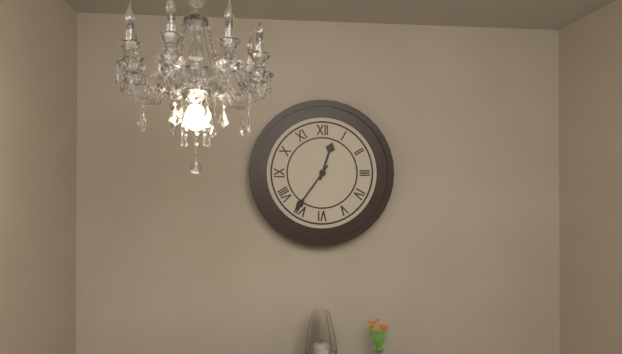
12 h 36 min
